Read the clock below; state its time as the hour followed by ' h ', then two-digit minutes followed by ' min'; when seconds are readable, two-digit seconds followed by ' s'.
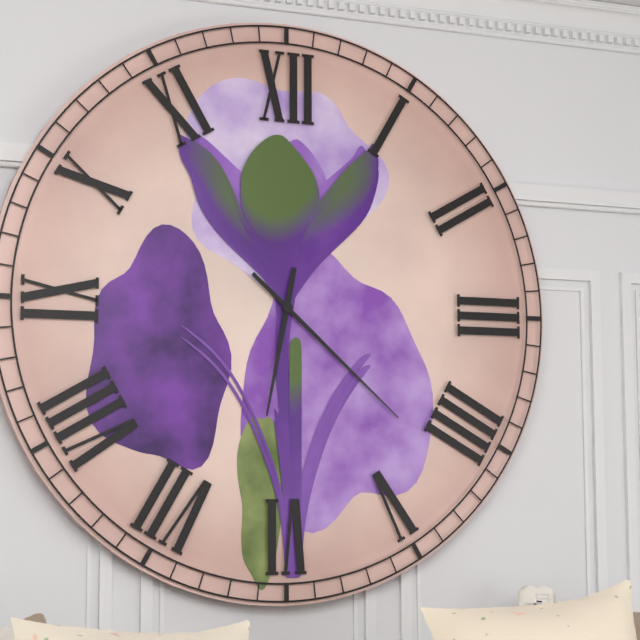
6 h 22 min
